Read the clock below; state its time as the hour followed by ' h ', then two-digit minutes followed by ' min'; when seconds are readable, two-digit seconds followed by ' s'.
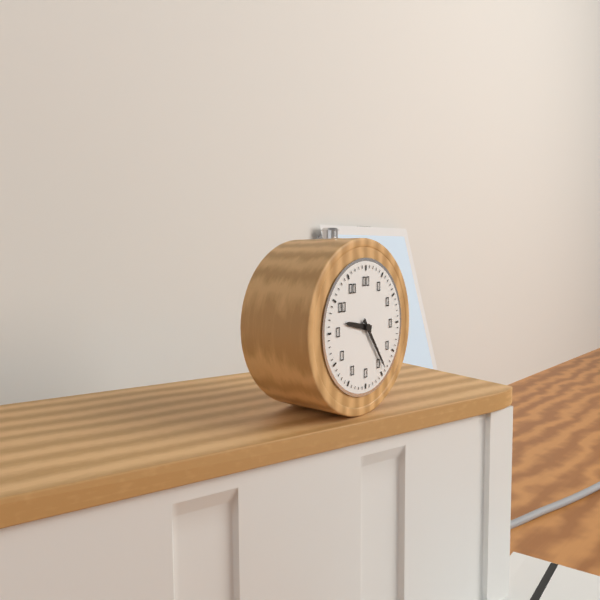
9 h 24 min
